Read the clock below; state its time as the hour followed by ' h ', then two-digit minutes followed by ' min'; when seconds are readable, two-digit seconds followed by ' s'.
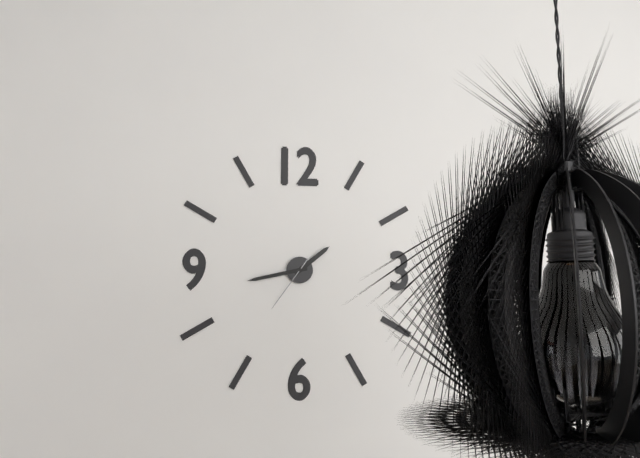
1 h 43 min 36 s
